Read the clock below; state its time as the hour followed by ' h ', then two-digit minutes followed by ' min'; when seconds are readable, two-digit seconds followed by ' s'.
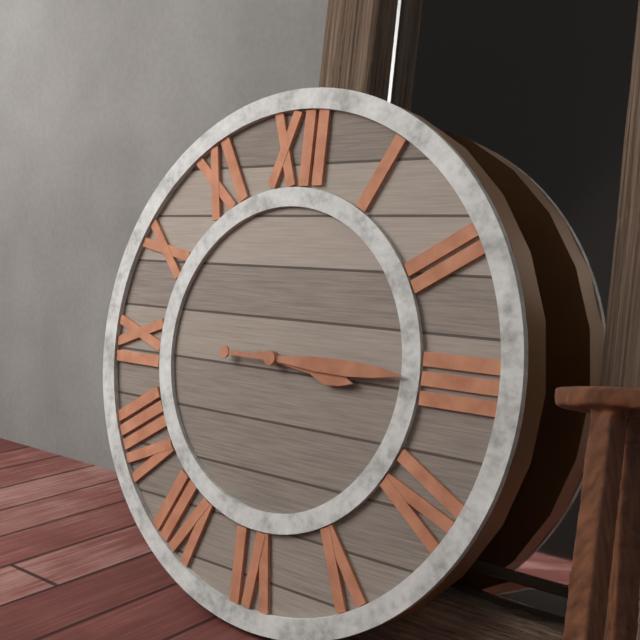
3 h 15 min
